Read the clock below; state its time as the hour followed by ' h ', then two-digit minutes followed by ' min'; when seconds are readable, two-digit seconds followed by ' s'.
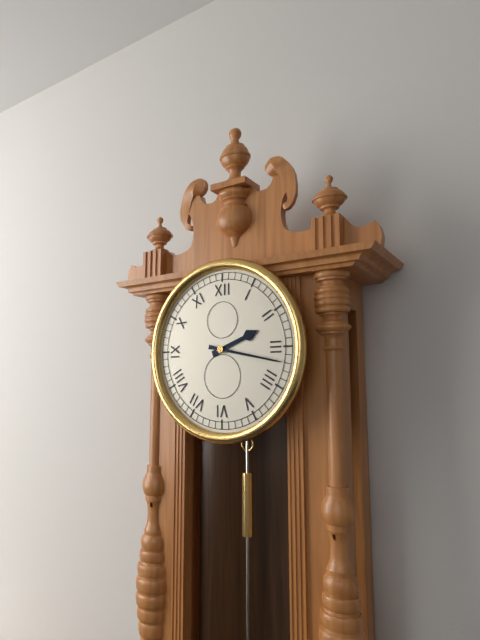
2 h 17 min
